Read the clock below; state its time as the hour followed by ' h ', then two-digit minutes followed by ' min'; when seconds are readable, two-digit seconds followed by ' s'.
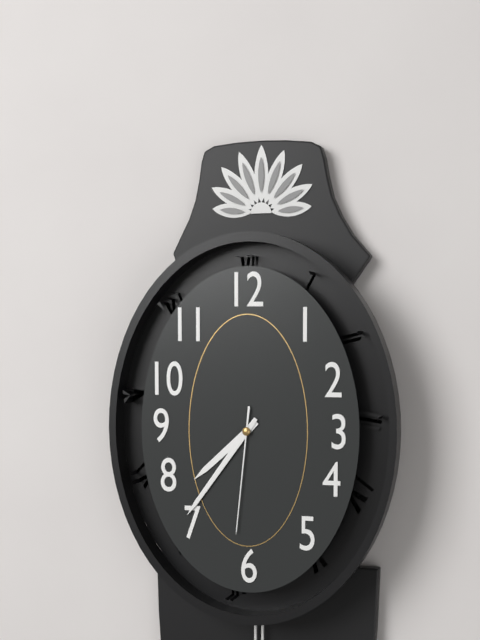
7 h 36 min 31 s
